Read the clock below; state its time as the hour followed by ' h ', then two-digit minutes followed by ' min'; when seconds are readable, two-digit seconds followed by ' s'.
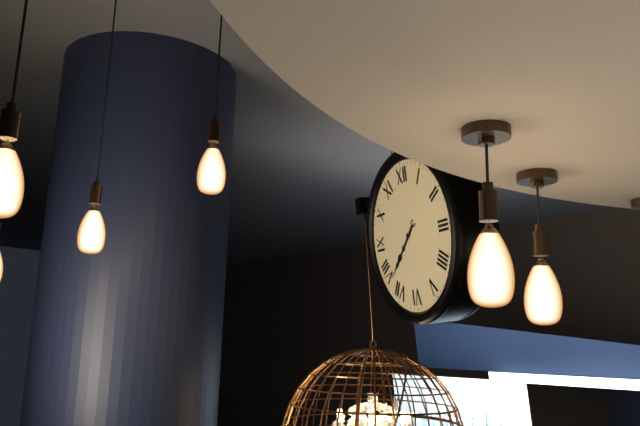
7 h 38 min
